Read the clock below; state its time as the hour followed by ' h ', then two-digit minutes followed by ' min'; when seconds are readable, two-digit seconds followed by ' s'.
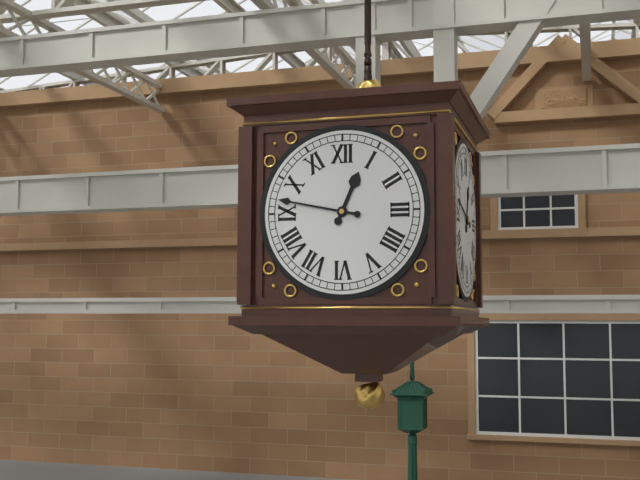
12 h 47 min
